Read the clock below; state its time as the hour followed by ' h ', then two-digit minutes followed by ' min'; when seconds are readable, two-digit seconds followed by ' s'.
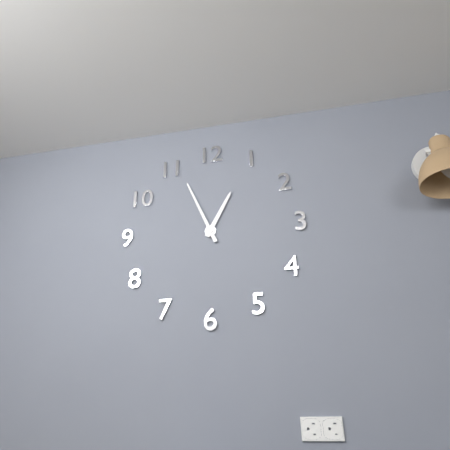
12 h 56 min
